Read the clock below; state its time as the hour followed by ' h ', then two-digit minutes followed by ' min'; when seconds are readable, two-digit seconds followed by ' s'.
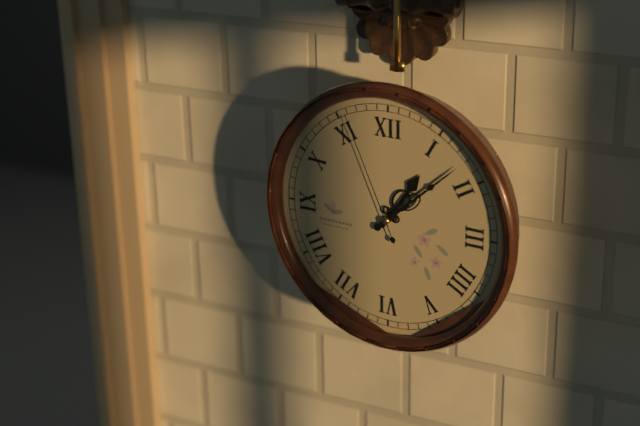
1 h 08 min 56 s
